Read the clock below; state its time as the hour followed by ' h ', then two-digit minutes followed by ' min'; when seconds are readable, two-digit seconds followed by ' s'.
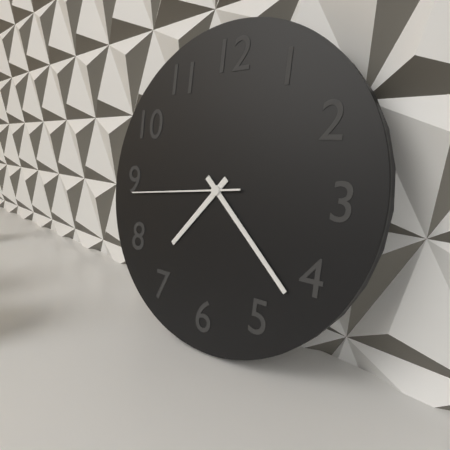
7 h 22 min 44 s
